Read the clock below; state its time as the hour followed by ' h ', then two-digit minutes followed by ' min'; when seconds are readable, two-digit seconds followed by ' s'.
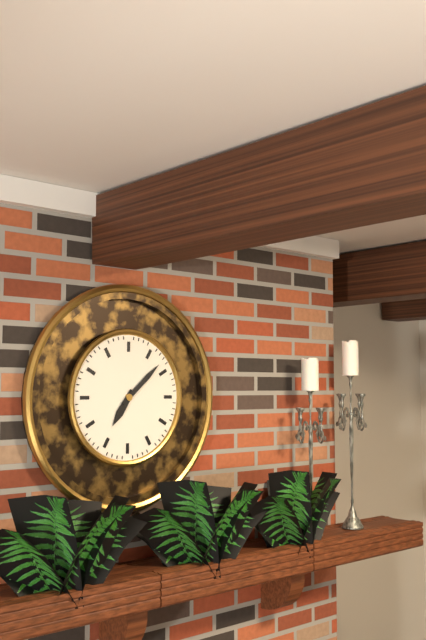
7 h 08 min
